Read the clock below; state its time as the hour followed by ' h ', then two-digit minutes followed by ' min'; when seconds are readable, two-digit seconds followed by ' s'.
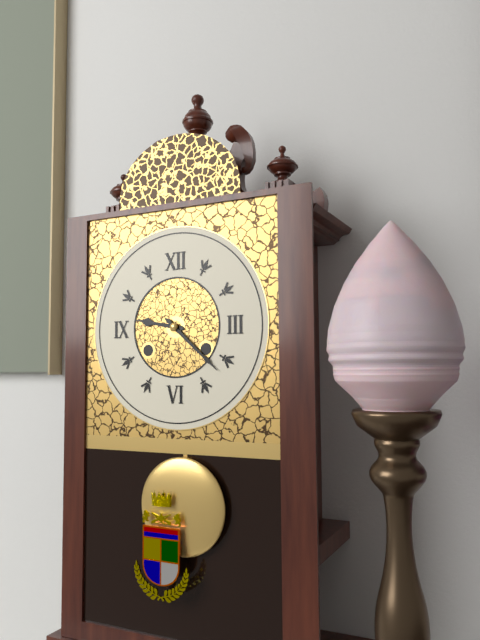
9 h 22 min
